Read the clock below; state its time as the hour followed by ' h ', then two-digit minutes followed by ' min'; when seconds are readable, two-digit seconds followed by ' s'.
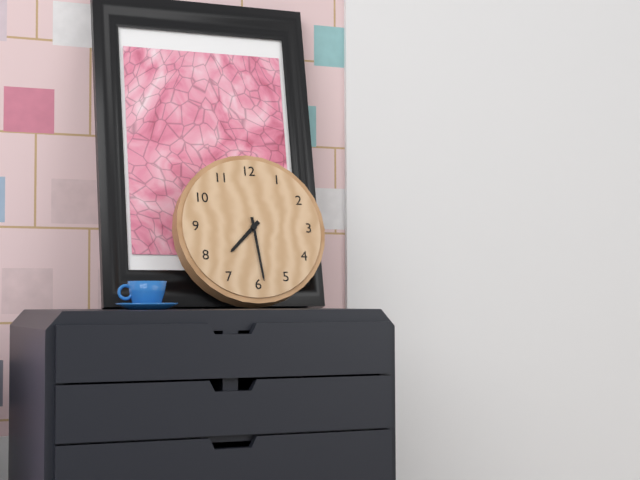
7 h 29 min
